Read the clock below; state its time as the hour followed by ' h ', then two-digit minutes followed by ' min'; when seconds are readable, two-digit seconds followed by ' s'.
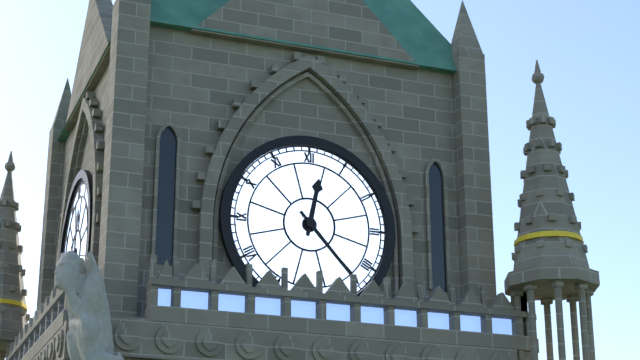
12 h 23 min
